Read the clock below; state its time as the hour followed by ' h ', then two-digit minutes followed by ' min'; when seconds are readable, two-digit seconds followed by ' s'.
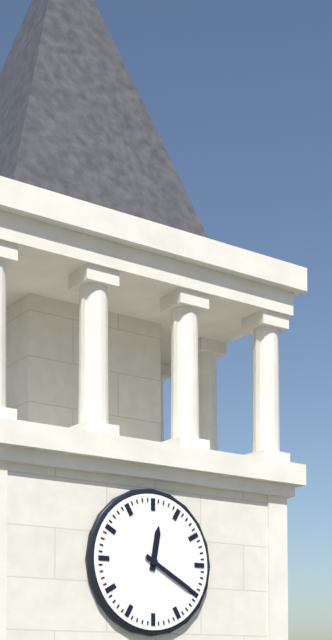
12 h 20 min
